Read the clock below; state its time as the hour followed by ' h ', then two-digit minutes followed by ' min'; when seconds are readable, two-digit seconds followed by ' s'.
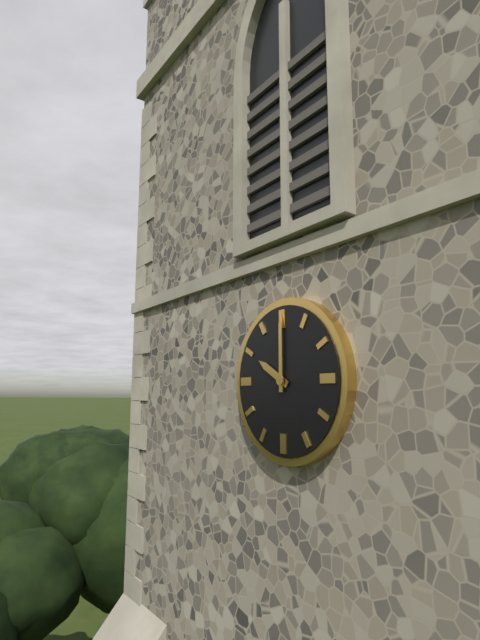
10 h 00 min
